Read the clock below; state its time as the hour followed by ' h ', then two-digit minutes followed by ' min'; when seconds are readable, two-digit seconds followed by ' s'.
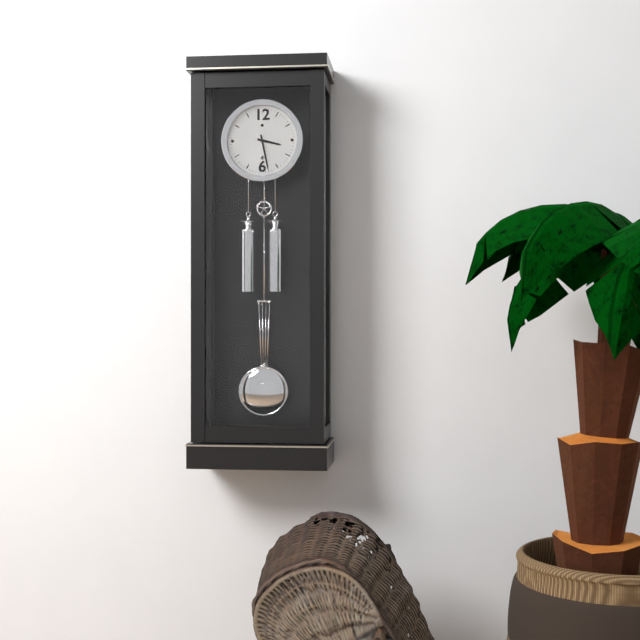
3 h 28 min
